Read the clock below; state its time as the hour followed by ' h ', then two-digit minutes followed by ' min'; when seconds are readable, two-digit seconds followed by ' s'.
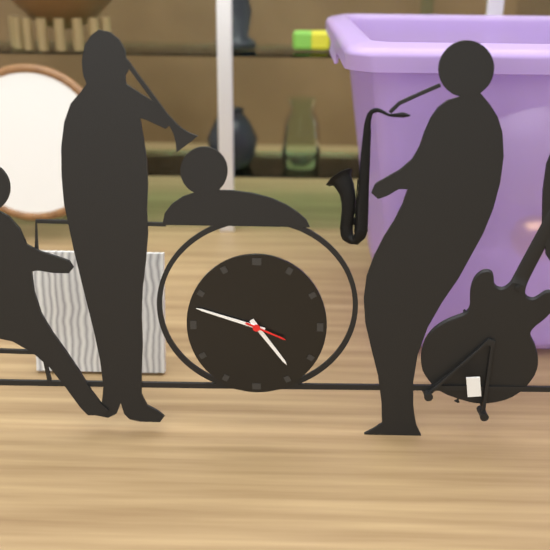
4 h 48 min
